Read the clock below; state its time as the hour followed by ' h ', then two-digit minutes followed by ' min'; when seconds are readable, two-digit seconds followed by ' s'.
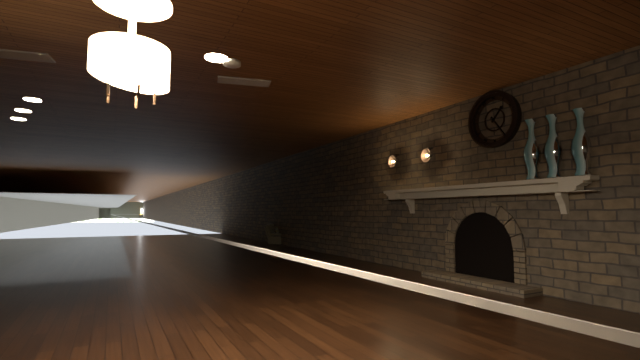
1 h 24 min
